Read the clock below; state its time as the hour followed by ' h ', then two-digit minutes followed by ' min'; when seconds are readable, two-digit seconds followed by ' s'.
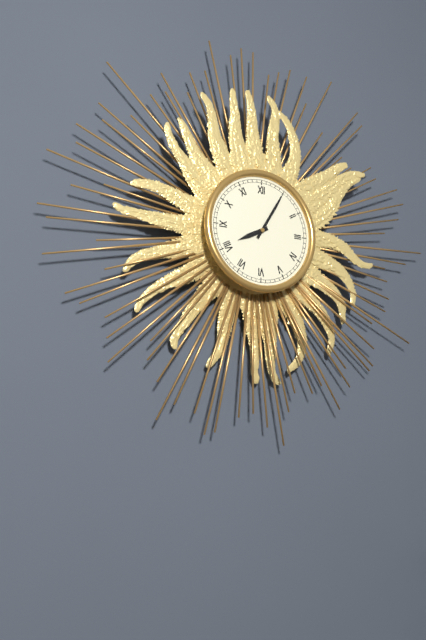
8 h 05 min
